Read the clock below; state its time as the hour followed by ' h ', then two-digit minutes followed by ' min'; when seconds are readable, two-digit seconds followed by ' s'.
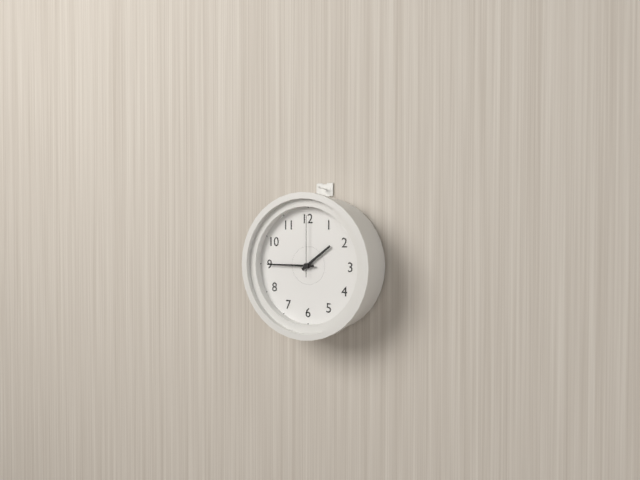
1 h 45 min 00 s
